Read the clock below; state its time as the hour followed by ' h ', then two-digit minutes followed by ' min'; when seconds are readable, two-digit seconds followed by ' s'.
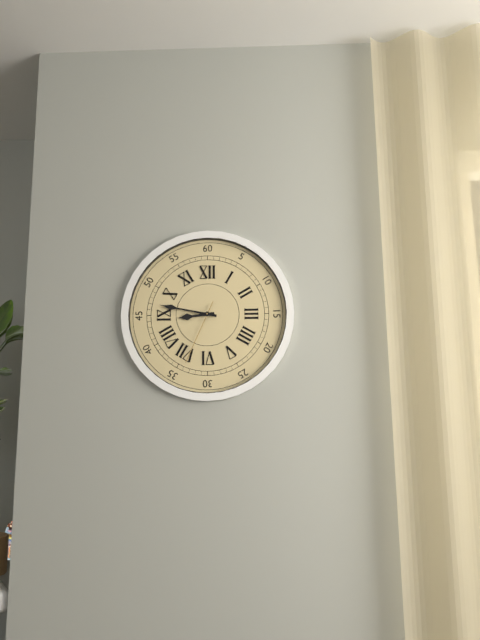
8 h 47 min 34 s
